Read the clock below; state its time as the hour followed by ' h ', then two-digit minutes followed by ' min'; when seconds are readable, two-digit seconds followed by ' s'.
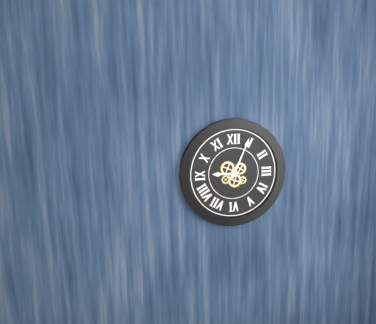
9 h 04 min
